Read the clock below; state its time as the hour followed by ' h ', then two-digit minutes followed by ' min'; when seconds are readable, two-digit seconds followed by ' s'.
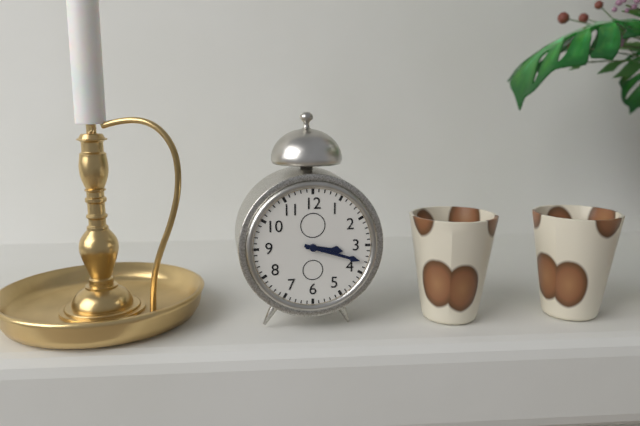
3 h 18 min
